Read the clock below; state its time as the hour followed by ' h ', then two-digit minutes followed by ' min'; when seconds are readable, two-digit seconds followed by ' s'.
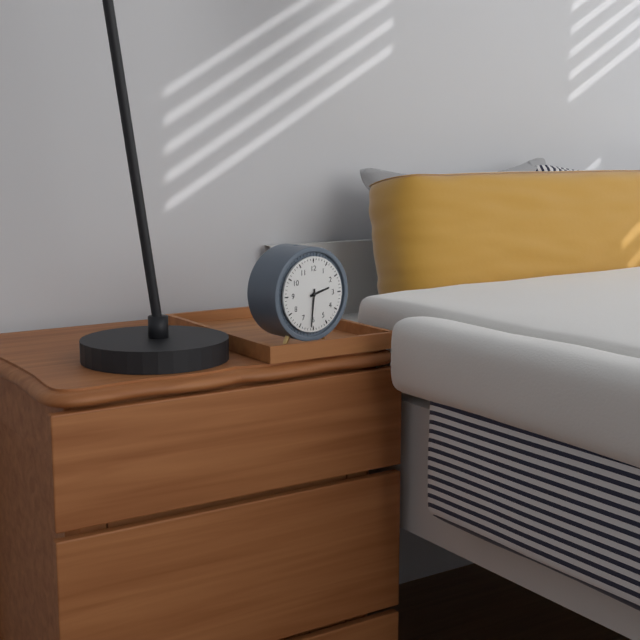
2 h 31 min
